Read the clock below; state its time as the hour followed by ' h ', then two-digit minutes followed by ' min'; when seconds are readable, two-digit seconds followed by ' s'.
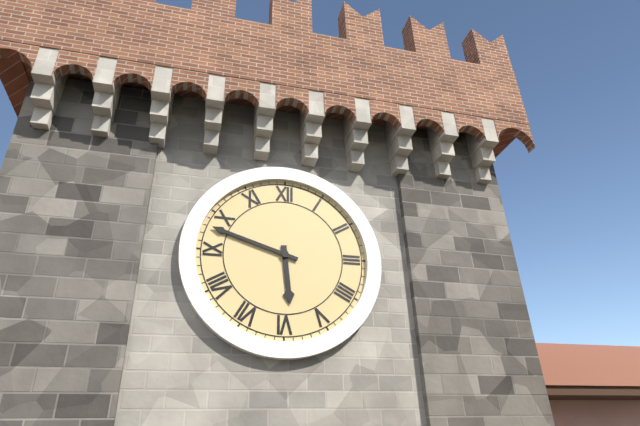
5 h 48 min
